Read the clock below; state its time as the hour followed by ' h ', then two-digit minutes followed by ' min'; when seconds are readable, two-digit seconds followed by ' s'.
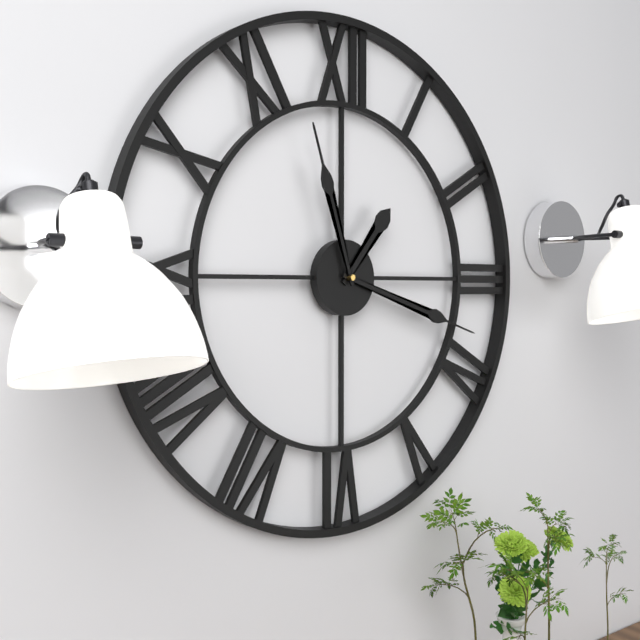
1 h 18 min 57 s
